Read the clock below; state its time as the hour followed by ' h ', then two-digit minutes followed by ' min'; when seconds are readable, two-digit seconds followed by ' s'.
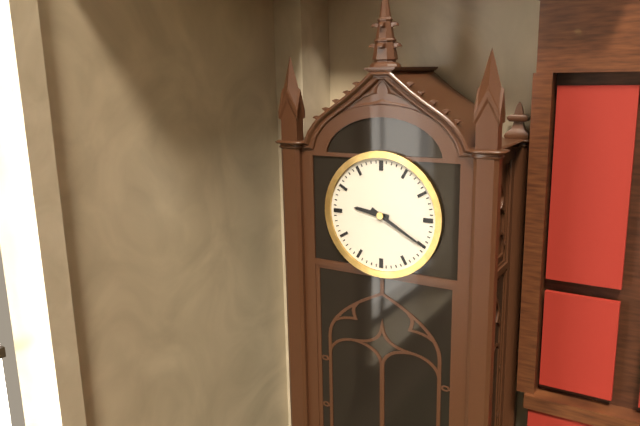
9 h 20 min
